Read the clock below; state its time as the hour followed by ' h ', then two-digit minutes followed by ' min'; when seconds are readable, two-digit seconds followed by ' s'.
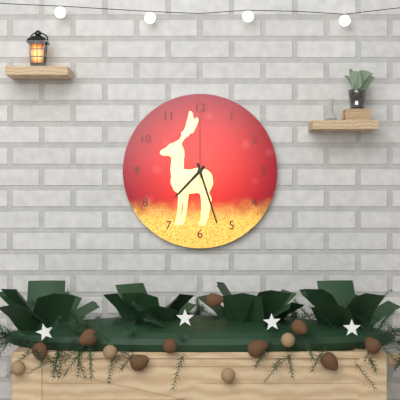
7 h 27 min 00 s
